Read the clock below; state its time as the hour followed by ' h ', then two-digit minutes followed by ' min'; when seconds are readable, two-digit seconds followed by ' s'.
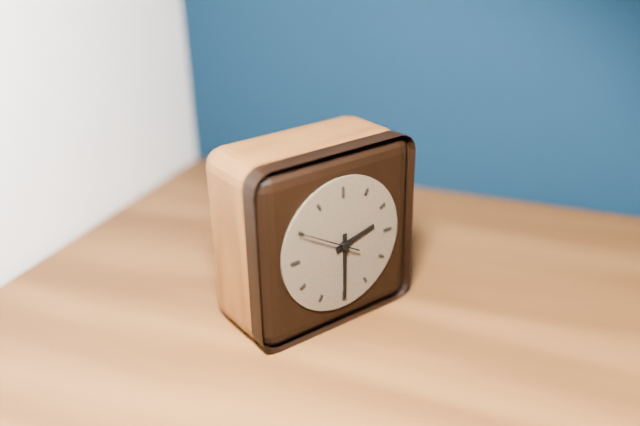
2 h 30 min 50 s
